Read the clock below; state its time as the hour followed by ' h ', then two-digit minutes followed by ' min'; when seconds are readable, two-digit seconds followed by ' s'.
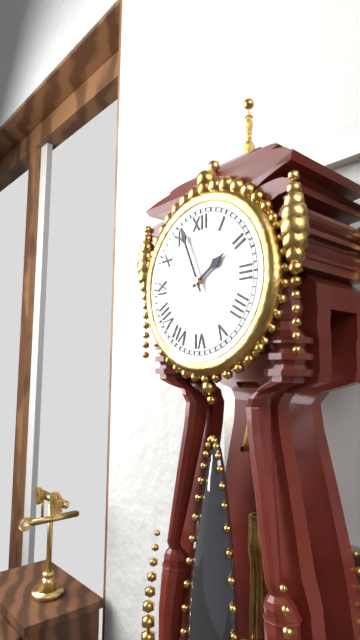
1 h 56 min
